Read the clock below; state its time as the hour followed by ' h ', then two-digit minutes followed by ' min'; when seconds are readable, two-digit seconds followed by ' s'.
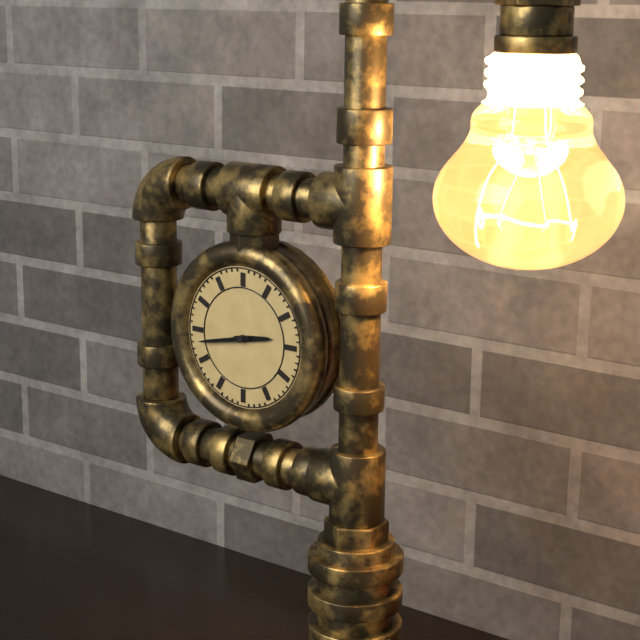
2 h 43 min
